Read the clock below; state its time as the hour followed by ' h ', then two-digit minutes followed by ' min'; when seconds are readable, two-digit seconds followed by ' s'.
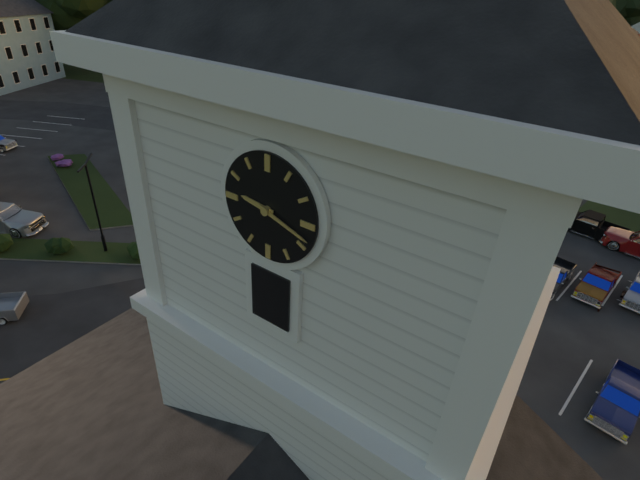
9 h 18 min
